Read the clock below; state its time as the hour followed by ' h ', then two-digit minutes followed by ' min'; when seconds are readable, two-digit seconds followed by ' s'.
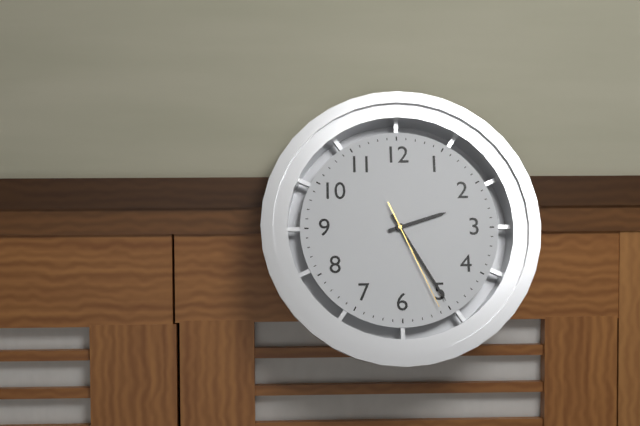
2 h 25 min 26 s
